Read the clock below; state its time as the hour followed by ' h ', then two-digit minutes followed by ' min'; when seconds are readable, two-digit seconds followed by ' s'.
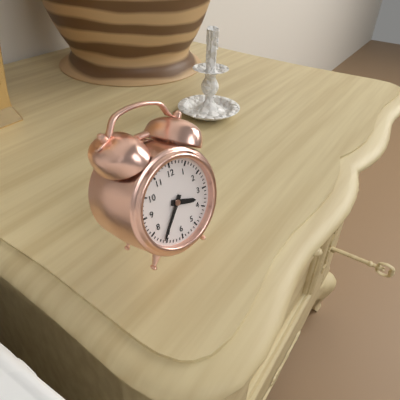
3 h 36 min
